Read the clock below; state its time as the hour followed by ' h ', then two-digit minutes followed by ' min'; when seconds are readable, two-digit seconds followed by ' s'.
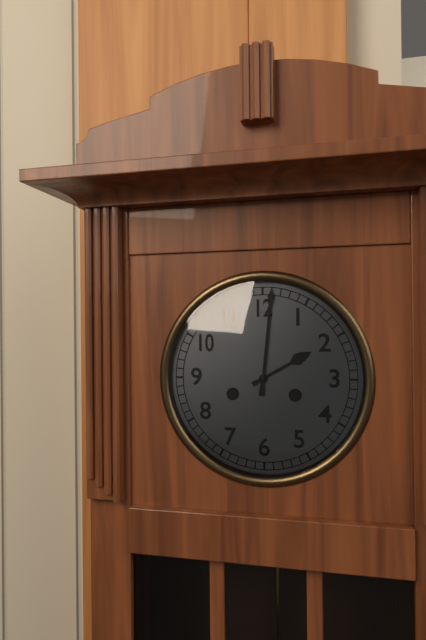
2 h 01 min
